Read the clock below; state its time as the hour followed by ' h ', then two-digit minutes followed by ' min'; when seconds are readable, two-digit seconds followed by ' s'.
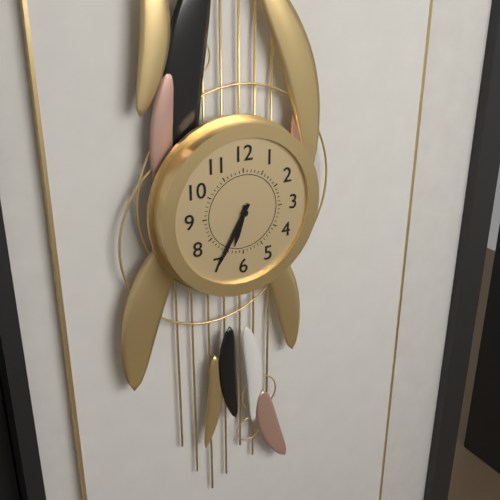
6 h 35 min
